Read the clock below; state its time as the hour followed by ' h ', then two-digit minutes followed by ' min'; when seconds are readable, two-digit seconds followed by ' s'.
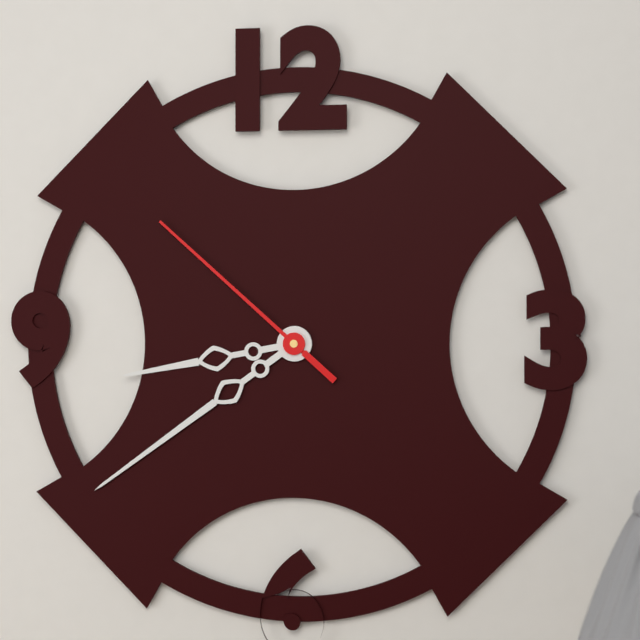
8 h 39 min 52 s
